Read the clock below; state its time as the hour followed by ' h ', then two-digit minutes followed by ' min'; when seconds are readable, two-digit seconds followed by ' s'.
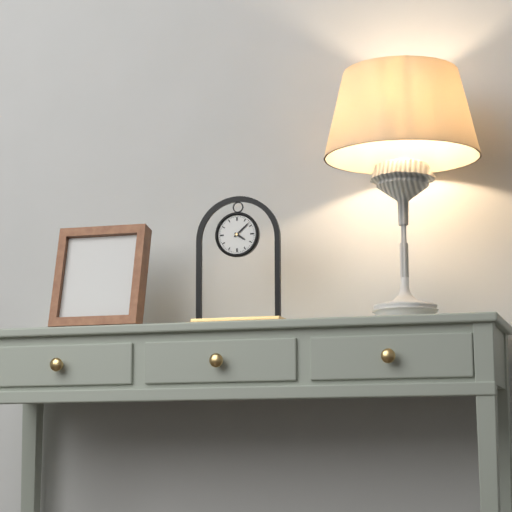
4 h 08 min
